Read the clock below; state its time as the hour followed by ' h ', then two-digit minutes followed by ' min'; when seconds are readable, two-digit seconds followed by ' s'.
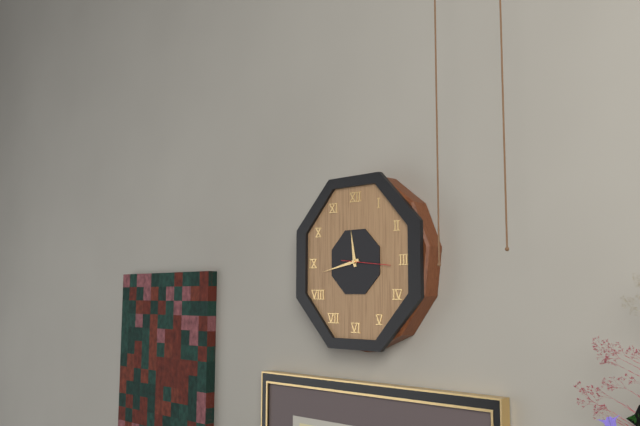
11 h 43 min
